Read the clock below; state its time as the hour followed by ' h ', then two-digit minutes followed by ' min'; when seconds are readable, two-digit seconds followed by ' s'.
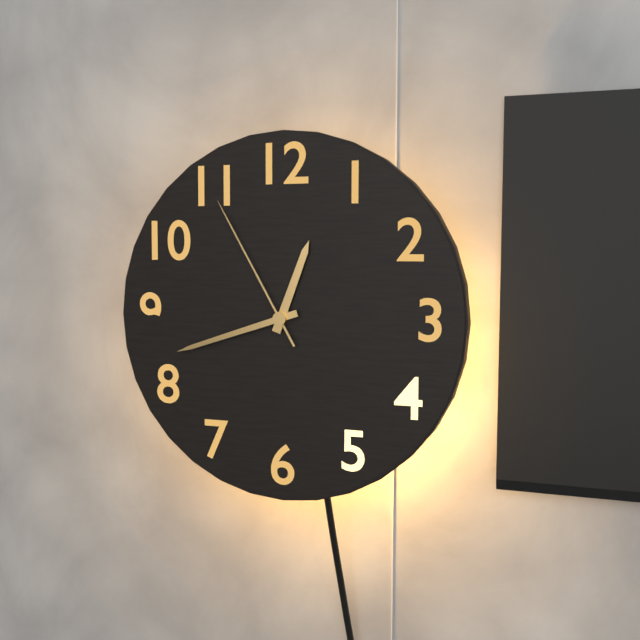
12 h 42 min 55 s
